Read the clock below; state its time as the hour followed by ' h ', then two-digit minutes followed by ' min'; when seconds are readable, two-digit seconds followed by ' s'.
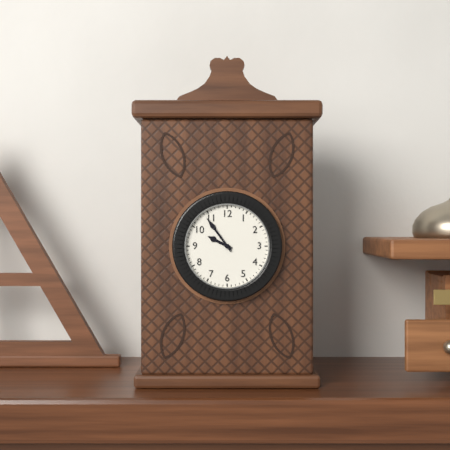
9 h 54 min
